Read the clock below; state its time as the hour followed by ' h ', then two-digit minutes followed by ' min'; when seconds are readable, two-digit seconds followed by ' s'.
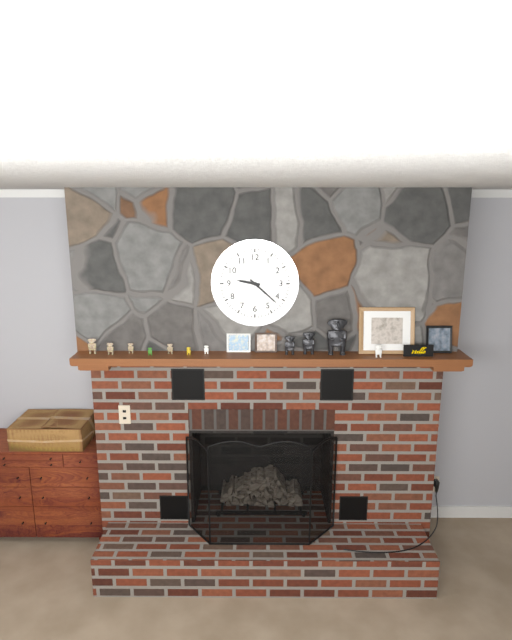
9 h 22 min
